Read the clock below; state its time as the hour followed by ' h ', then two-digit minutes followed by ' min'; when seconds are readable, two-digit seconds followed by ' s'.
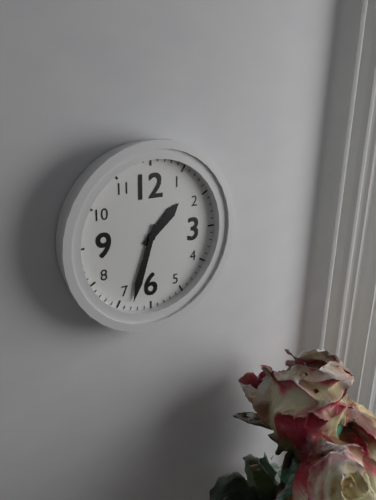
1 h 33 min
